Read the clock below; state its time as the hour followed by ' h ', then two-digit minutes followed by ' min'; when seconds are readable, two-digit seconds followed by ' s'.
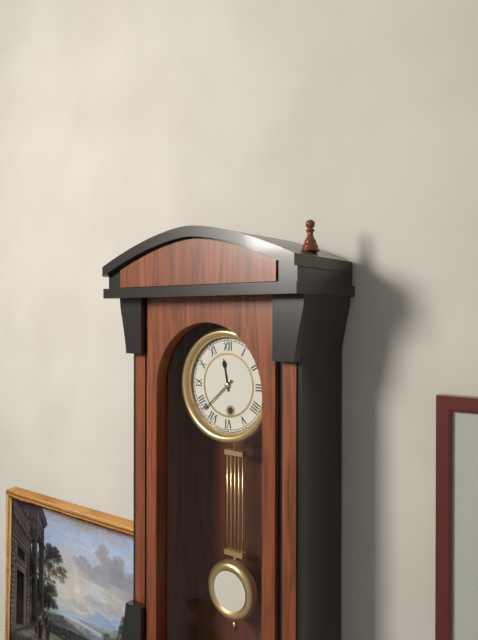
11 h 38 min
